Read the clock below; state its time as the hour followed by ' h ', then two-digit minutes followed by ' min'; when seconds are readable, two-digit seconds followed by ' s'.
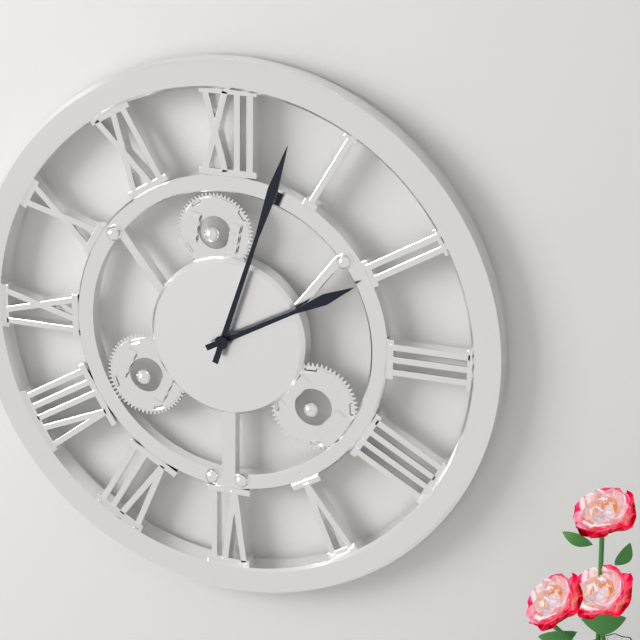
2 h 03 min
